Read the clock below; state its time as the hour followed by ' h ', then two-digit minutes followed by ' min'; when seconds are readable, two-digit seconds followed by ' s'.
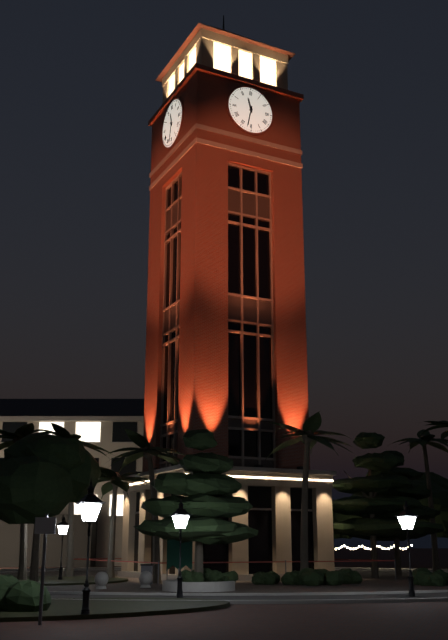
11 h 32 min
